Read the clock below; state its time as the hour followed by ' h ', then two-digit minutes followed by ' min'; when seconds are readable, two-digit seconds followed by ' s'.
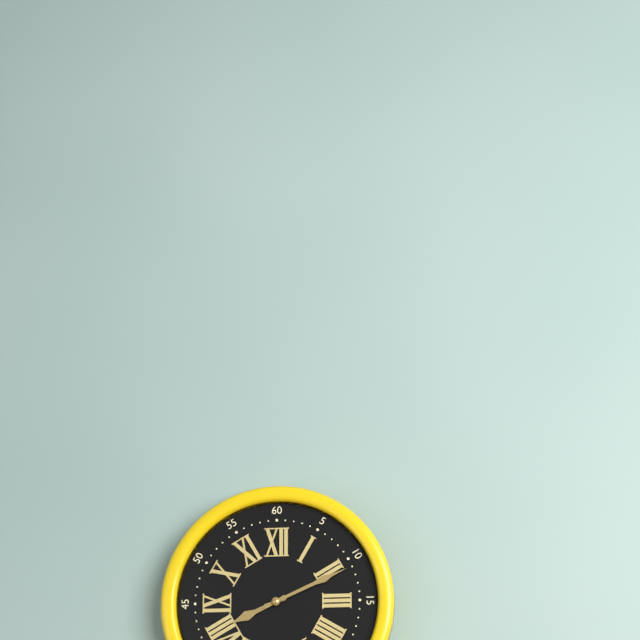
8 h 11 min
